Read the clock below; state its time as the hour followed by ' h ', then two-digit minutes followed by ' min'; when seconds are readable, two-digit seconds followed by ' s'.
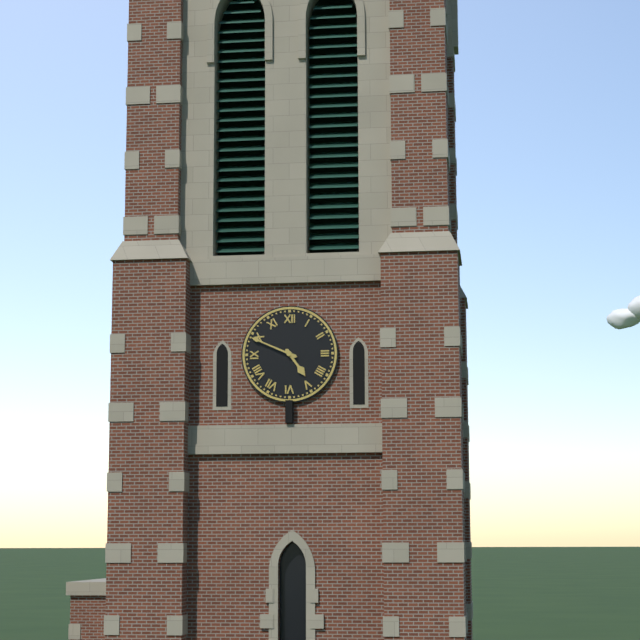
4 h 49 min
